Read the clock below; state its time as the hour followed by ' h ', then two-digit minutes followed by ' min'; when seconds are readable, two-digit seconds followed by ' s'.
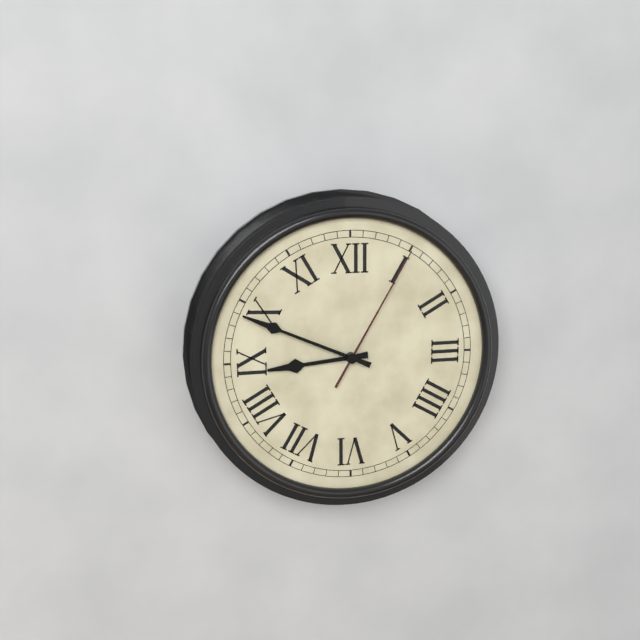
8 h 49 min 05 s
